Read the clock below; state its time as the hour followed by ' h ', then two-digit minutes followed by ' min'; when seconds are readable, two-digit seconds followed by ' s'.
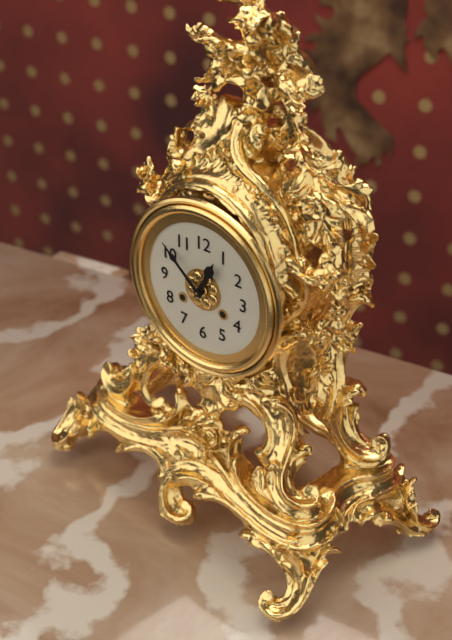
12 h 52 min
